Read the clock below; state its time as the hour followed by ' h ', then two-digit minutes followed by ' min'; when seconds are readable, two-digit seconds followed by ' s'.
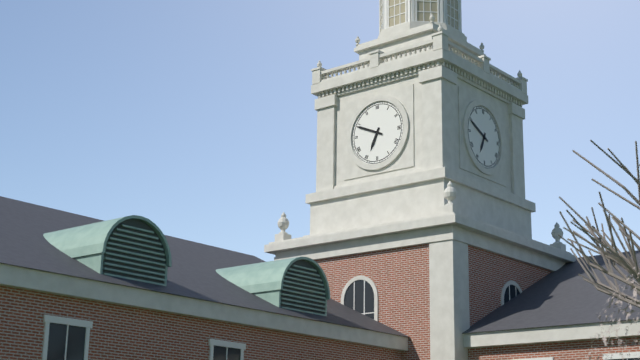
6 h 49 min
